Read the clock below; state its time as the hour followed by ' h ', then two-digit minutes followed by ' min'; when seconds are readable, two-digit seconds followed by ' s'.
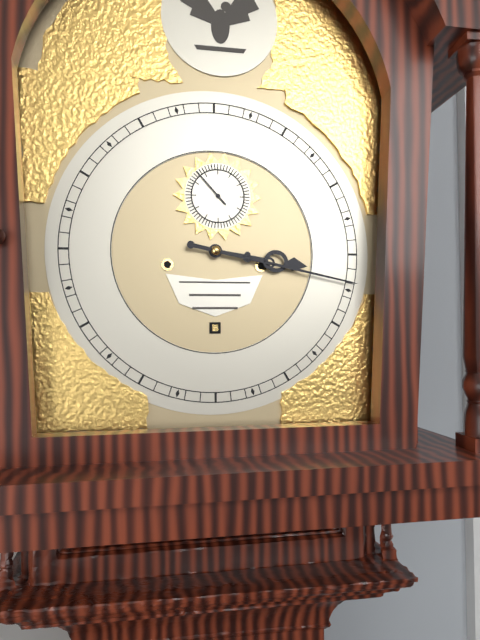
3 h 17 min
